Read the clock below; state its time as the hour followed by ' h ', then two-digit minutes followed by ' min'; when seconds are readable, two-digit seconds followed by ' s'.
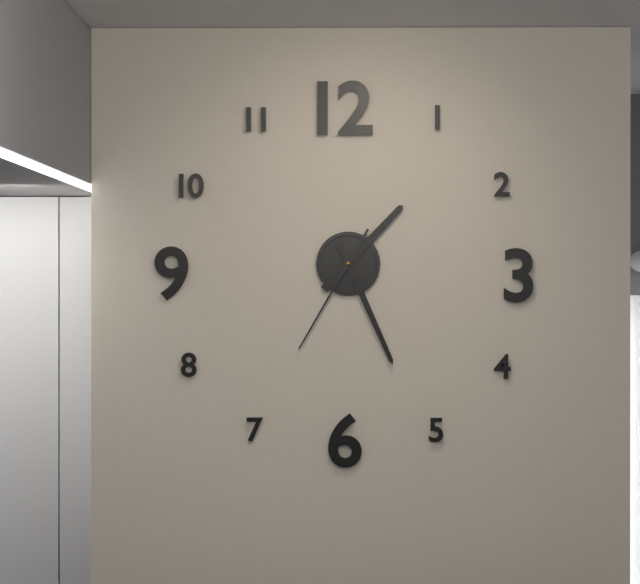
1 h 26 min 35 s
